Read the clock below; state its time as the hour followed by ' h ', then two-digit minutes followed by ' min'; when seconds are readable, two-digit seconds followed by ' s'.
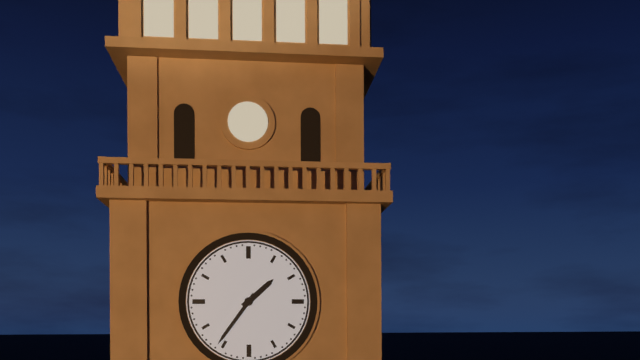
1 h 36 min
